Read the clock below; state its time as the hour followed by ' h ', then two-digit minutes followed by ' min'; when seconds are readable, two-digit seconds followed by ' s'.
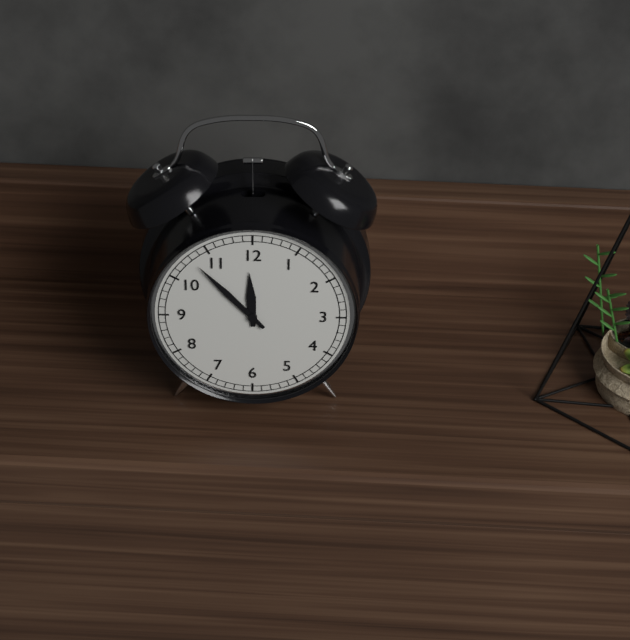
11 h 53 min
